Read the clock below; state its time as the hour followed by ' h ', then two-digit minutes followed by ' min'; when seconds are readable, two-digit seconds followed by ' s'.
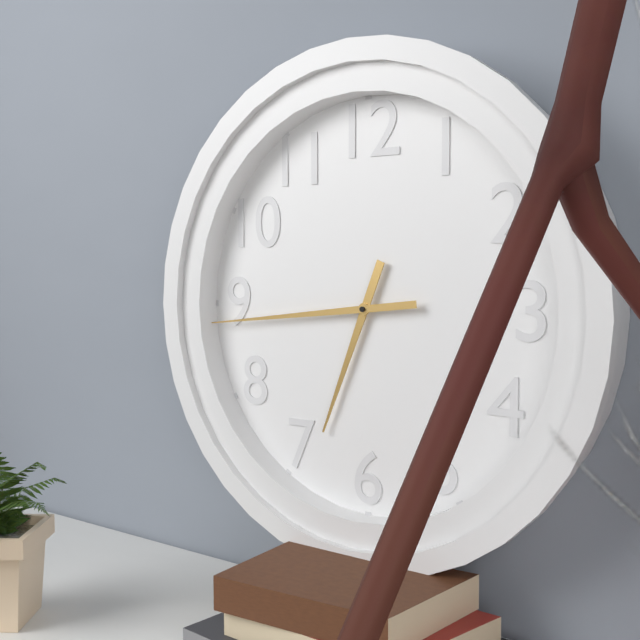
6 h 44 min
